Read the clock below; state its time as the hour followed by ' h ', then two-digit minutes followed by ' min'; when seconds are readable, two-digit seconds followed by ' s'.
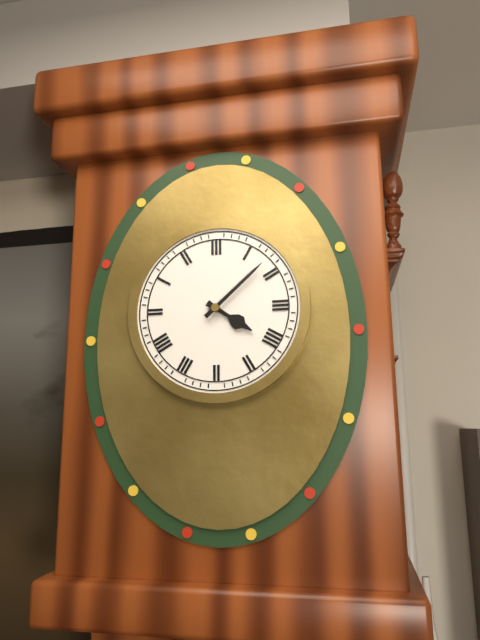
4 h 08 min
